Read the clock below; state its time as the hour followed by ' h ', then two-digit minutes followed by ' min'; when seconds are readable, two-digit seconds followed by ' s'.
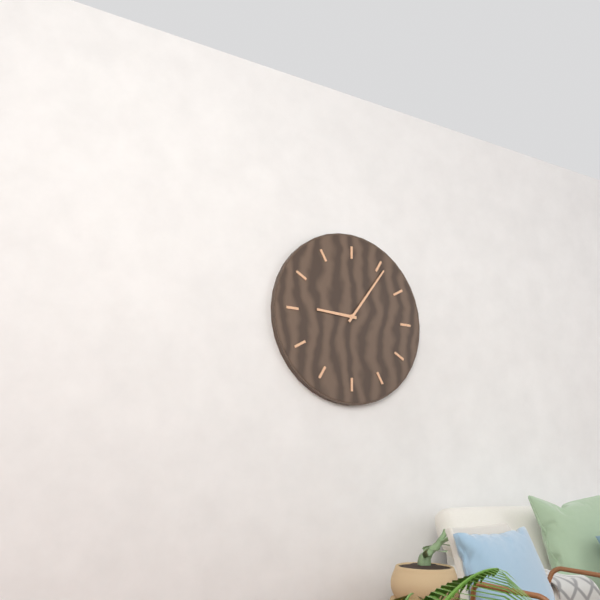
9 h 06 min
